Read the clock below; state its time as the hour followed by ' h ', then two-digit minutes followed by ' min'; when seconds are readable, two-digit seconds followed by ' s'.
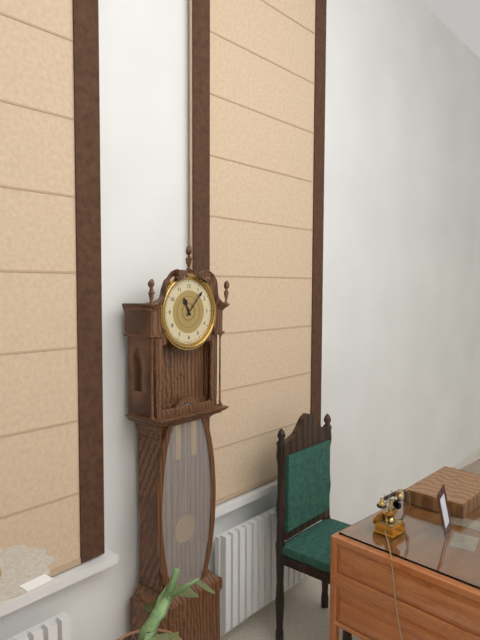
11 h 07 min
